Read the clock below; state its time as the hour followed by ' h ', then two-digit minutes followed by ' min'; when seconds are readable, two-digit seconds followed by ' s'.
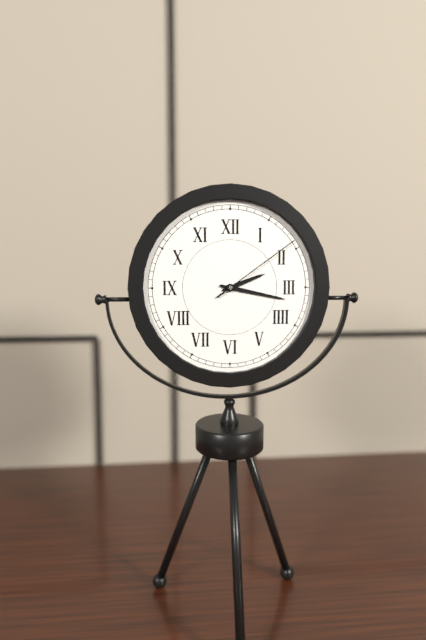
2 h 17 min 09 s
